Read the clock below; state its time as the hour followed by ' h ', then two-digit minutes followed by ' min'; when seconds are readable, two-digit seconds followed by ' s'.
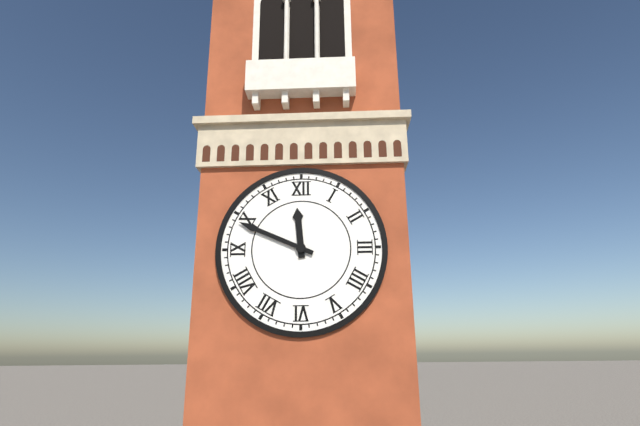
11 h 49 min
